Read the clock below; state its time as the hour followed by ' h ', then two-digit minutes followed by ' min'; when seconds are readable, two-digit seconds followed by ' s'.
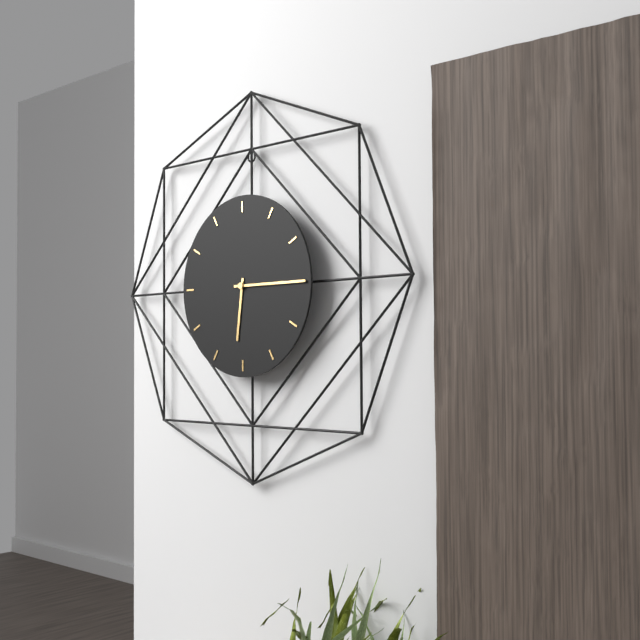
6 h 15 min
